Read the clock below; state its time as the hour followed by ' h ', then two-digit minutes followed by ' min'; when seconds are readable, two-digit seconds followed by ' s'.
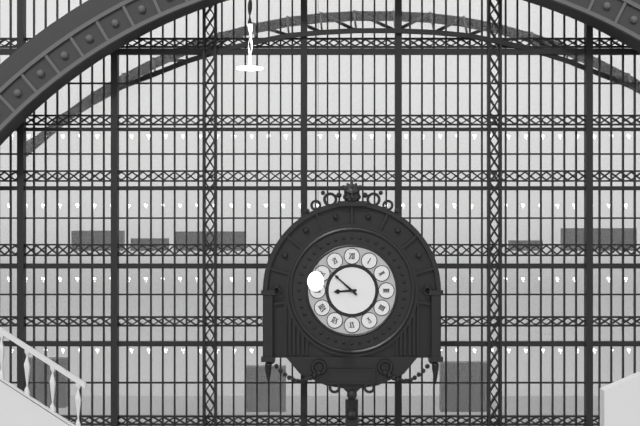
8 h 52 min
